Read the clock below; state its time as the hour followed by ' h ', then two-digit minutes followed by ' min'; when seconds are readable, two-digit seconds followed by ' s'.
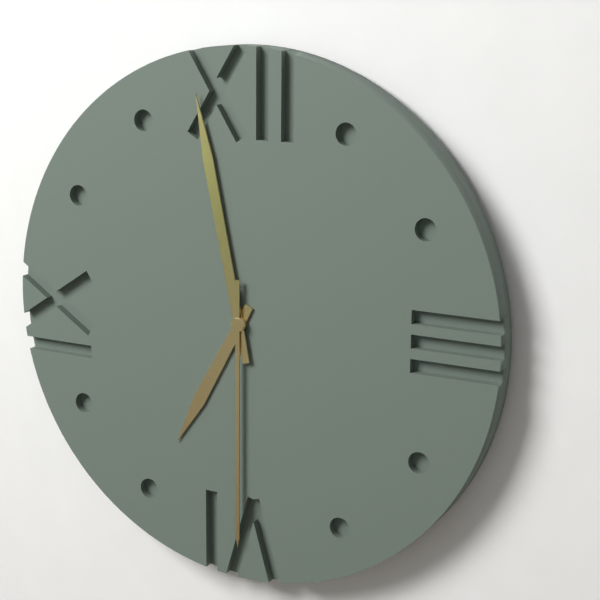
6 h 58 min 30 s
